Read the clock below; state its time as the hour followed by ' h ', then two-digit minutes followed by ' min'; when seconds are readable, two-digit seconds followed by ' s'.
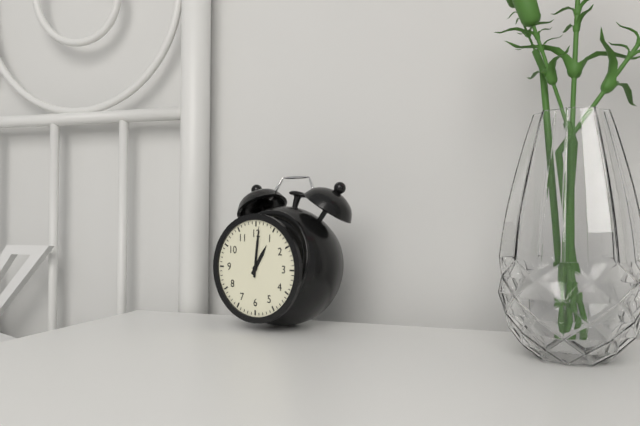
1 h 01 min
